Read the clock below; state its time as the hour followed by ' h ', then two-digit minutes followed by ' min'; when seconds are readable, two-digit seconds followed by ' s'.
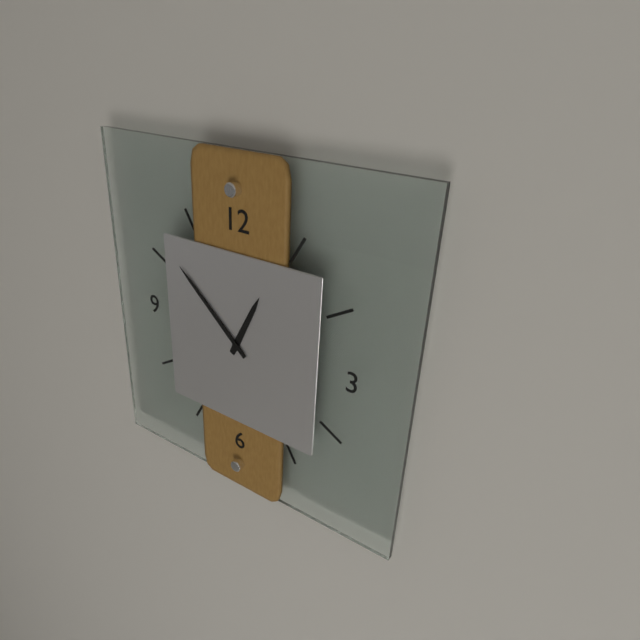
12 h 52 min
